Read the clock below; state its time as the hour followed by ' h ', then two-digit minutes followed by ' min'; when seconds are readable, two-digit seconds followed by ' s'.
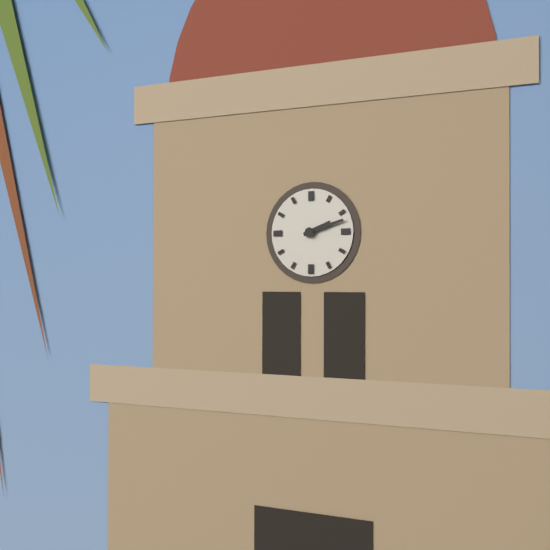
2 h 12 min
